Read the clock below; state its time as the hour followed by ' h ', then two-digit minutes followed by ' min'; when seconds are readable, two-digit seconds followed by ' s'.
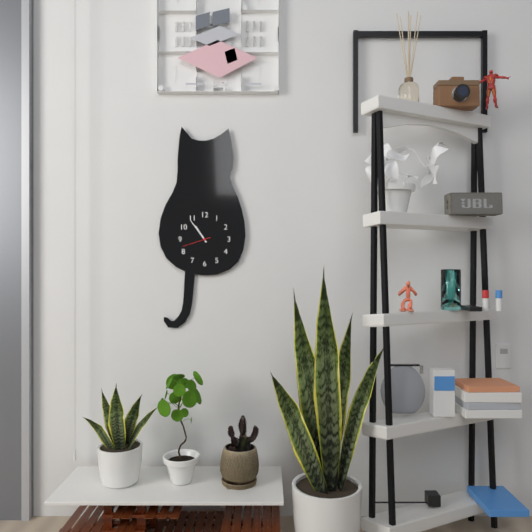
10 h 54 min
